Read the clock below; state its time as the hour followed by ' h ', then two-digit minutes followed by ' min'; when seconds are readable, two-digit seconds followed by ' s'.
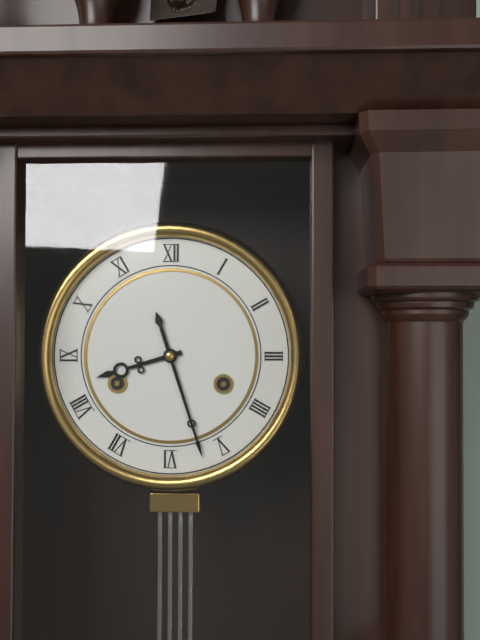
8 h 27 min
